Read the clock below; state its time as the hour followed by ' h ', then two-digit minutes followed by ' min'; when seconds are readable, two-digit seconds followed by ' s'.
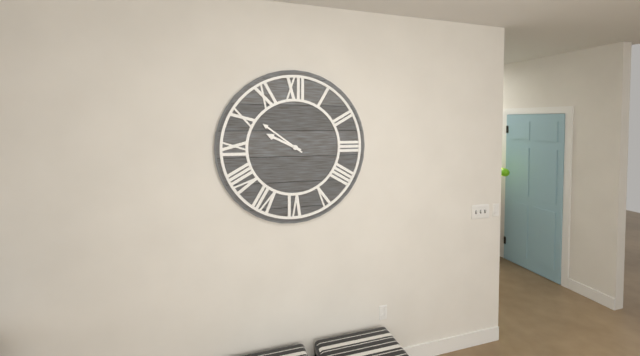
9 h 51 min
